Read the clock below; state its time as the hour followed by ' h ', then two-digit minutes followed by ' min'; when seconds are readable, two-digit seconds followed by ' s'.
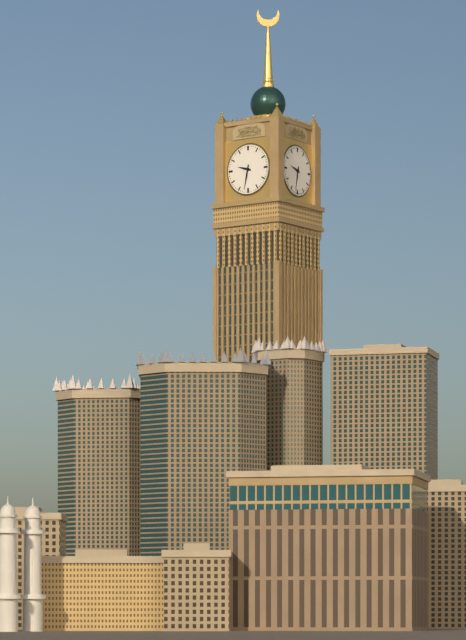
9 h 32 min
